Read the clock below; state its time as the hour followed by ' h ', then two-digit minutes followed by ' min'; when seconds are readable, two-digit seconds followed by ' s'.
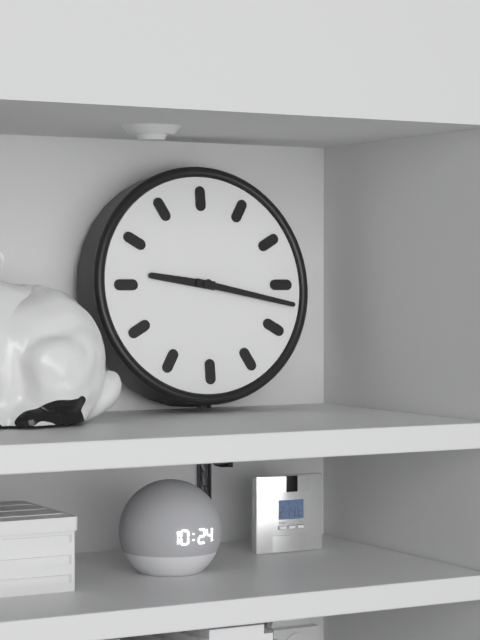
9 h 17 min
